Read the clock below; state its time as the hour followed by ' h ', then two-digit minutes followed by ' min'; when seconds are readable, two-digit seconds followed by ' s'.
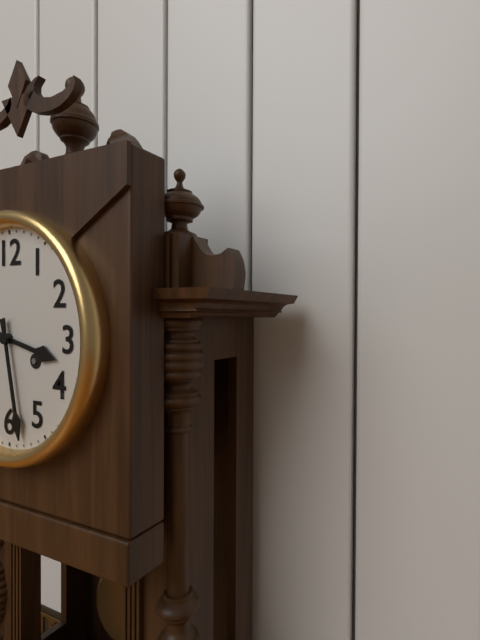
3 h 28 min
